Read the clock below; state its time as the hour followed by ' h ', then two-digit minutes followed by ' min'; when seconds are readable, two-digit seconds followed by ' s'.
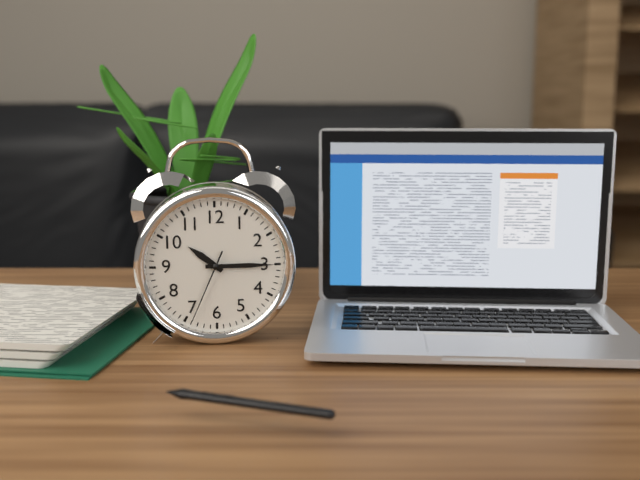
10 h 15 min 34 s
